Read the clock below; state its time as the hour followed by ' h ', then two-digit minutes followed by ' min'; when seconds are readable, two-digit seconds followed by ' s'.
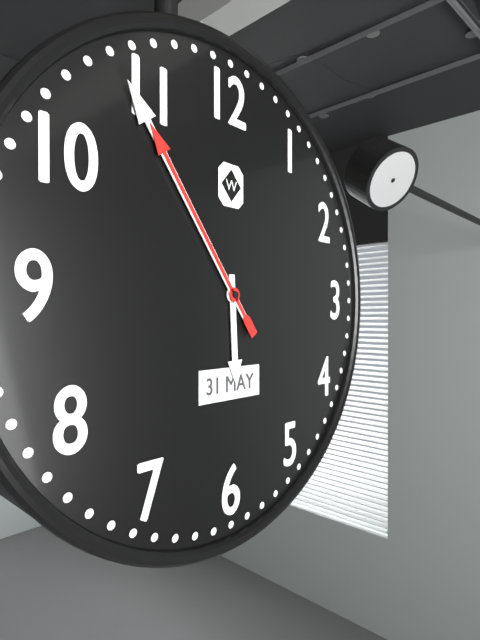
5 h 54 min 54 s
